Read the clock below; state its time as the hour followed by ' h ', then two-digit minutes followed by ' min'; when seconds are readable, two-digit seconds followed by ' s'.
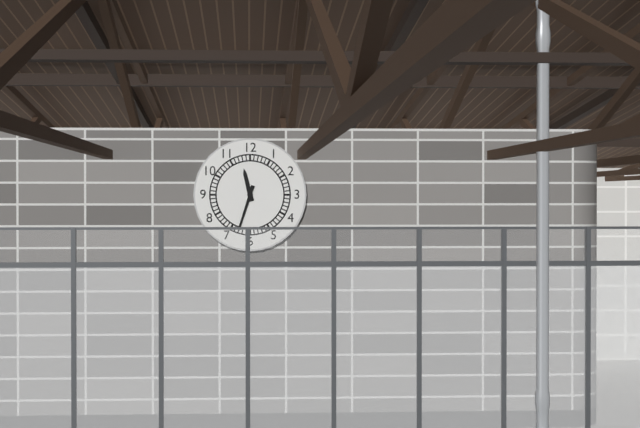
11 h 33 min
